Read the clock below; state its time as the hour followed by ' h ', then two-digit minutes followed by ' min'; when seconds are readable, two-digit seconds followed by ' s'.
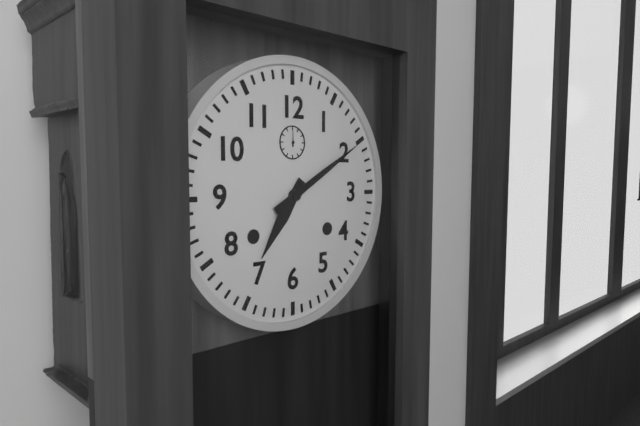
7 h 10 min
